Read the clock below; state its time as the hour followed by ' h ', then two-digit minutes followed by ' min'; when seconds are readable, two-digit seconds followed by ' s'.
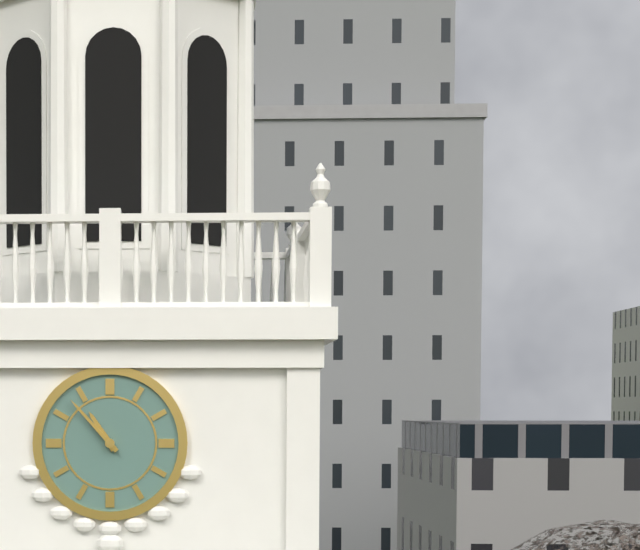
10 h 53 min
